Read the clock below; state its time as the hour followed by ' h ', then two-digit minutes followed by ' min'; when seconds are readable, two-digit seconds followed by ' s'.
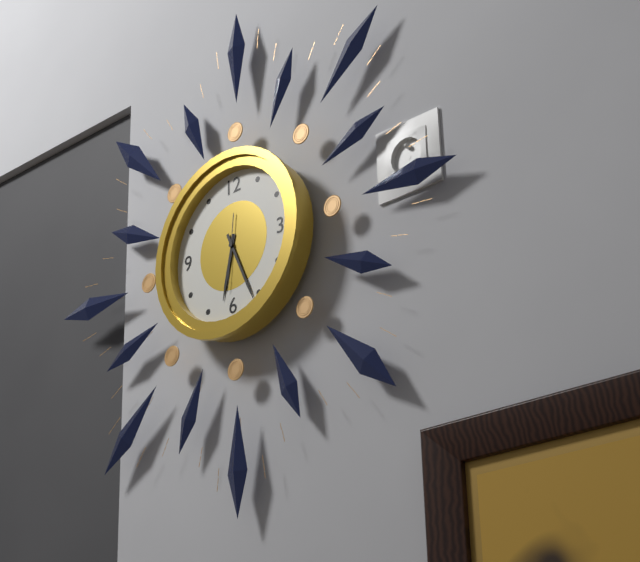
6 h 26 min 31 s
